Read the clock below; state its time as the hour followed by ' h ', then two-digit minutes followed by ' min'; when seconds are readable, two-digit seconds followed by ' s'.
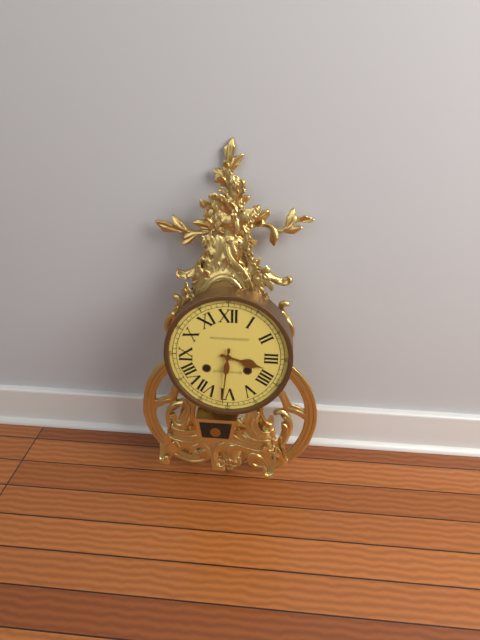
3 h 31 min
